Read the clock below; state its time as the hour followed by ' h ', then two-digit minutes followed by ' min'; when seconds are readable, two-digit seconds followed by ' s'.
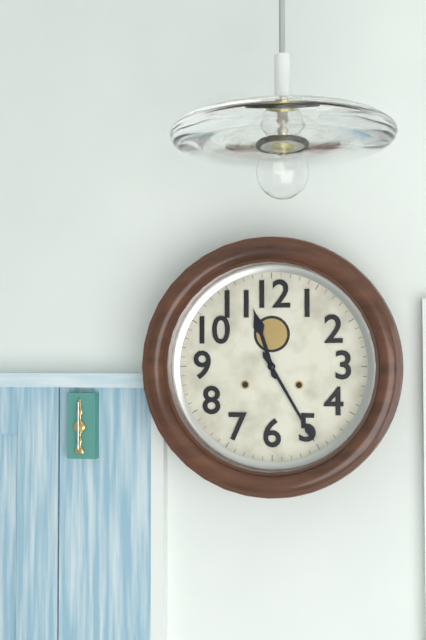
11 h 25 min
